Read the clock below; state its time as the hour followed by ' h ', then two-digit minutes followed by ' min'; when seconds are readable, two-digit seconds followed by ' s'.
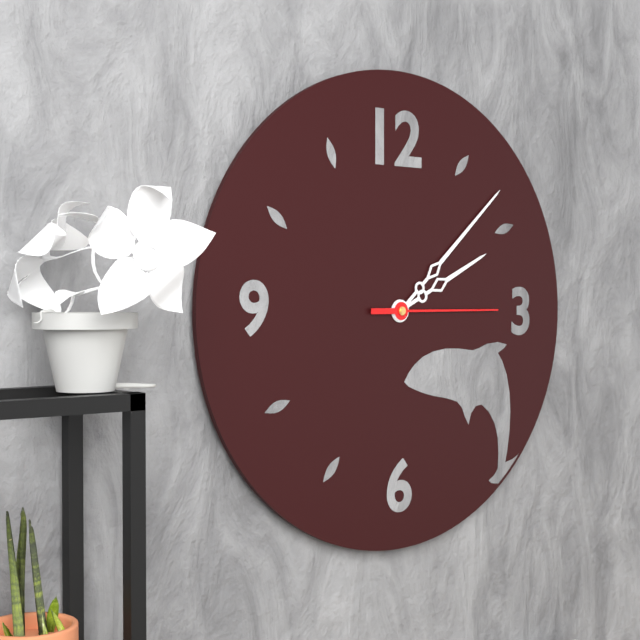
2 h 08 min 15 s
